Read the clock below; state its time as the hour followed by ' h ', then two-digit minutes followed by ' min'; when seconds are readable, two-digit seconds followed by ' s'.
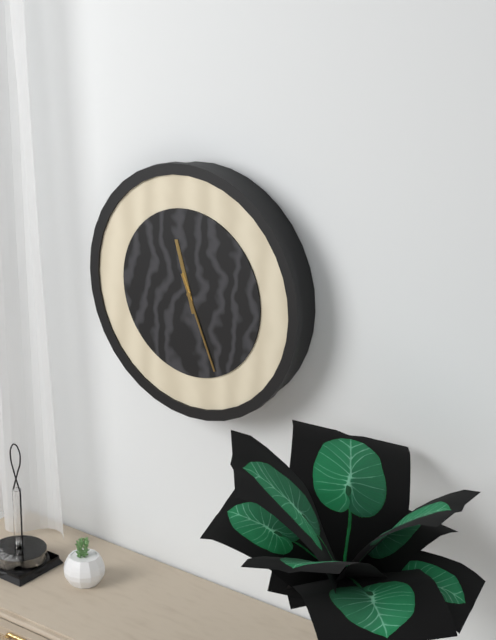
11 h 26 min
